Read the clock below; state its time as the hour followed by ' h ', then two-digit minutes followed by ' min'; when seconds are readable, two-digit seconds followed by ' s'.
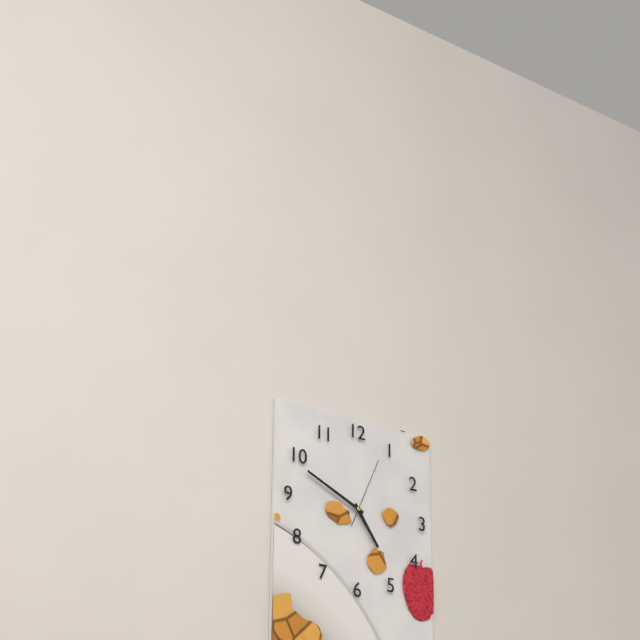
4 h 49 min 04 s
